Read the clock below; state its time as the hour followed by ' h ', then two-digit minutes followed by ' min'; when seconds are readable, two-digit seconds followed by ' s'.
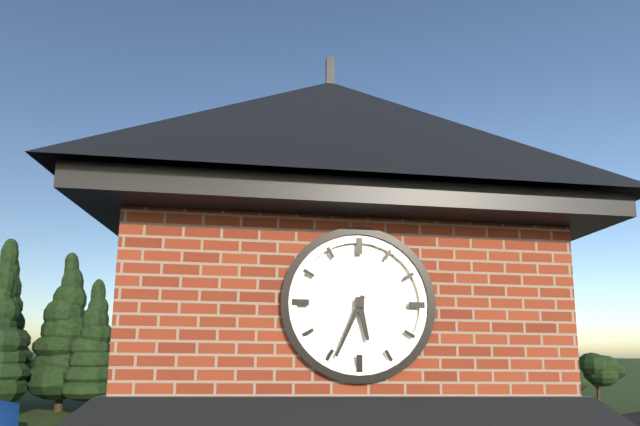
5 h 34 min
